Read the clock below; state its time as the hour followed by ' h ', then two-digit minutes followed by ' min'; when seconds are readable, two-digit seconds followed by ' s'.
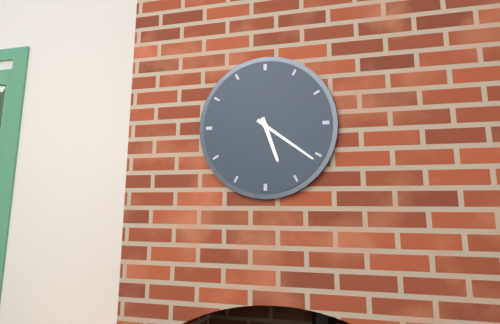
5 h 21 min
